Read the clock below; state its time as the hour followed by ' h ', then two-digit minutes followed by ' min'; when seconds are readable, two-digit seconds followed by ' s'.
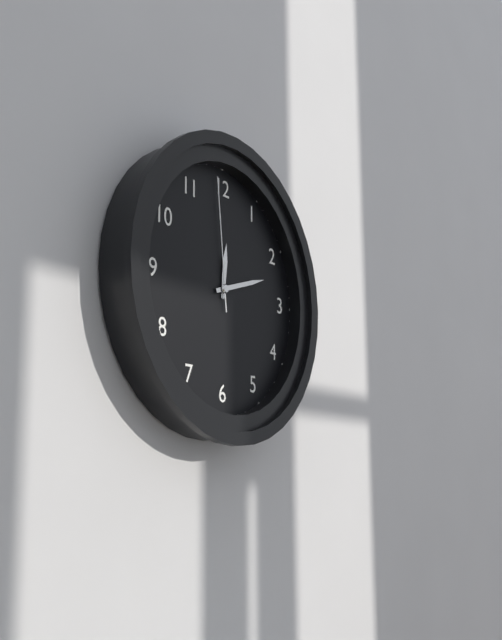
12 h 12 min 59 s
